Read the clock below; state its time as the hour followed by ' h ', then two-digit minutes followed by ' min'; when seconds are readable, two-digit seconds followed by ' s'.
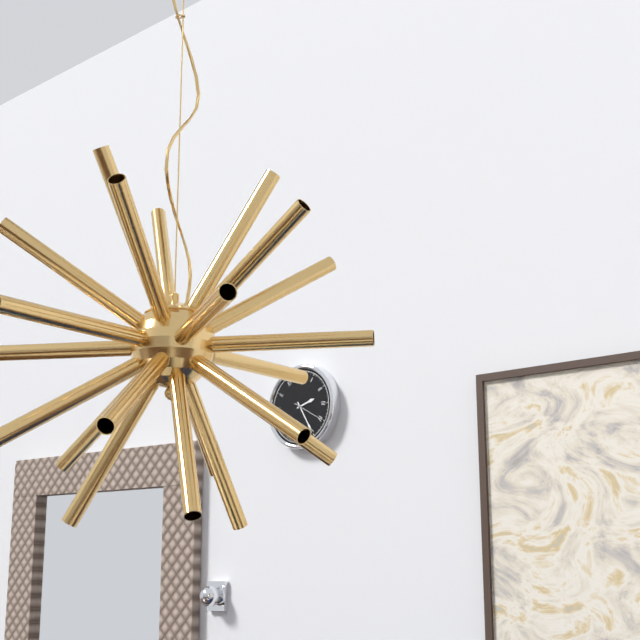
2 h 25 min
